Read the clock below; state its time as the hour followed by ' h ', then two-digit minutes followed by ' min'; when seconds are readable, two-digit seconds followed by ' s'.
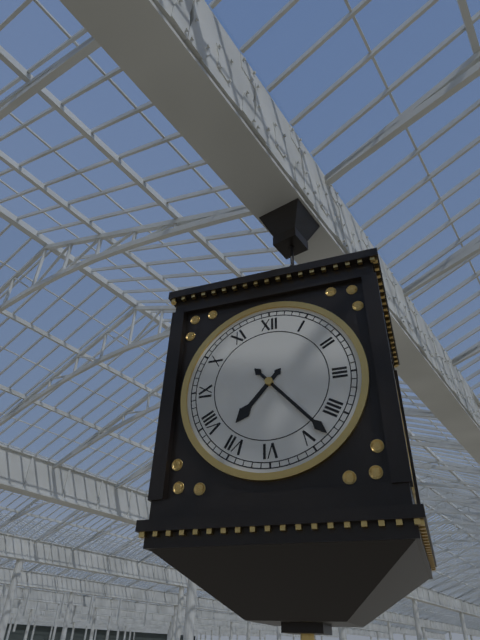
7 h 23 min
